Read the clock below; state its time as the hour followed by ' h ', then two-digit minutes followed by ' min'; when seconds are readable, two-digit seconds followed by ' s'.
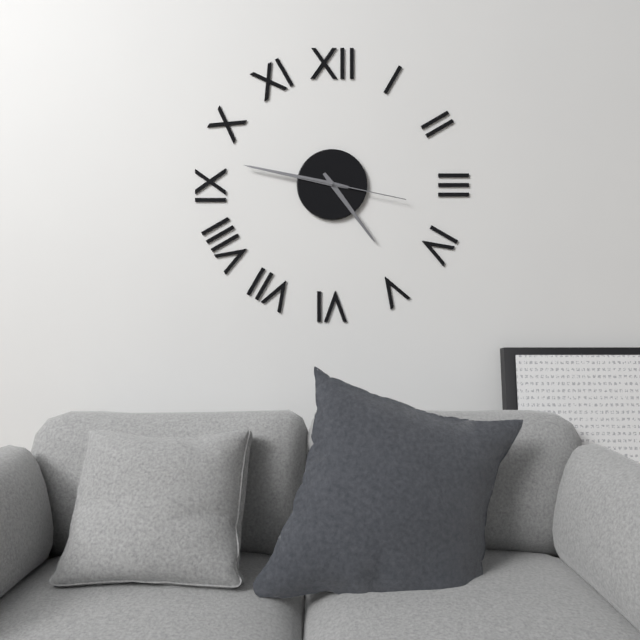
4 h 47 min 17 s
